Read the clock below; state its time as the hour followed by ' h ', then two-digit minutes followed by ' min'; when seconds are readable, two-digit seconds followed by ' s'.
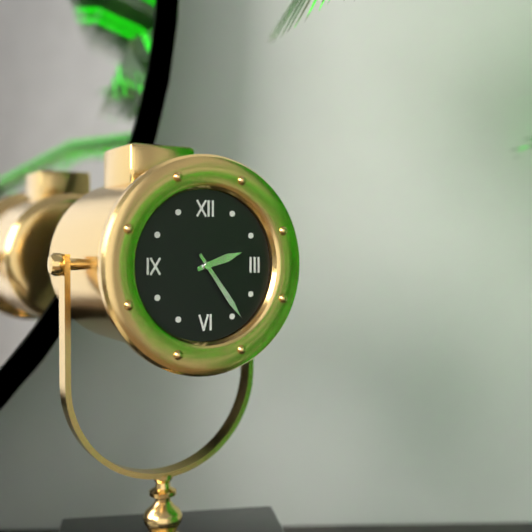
2 h 24 min
